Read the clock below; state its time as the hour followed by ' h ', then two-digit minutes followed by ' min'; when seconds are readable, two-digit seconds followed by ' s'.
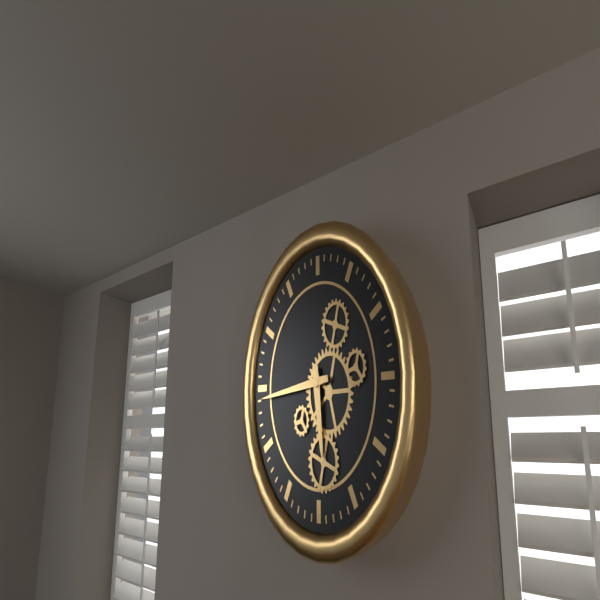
5 h 44 min
